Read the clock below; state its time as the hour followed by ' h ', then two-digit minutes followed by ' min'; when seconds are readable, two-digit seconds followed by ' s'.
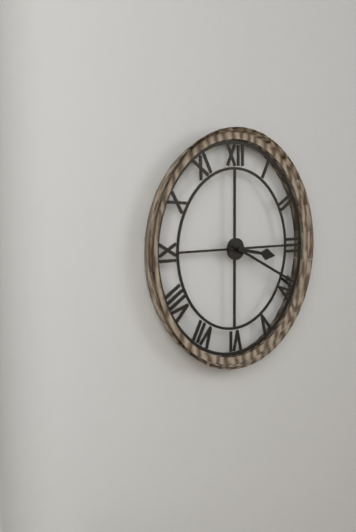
3 h 19 min
